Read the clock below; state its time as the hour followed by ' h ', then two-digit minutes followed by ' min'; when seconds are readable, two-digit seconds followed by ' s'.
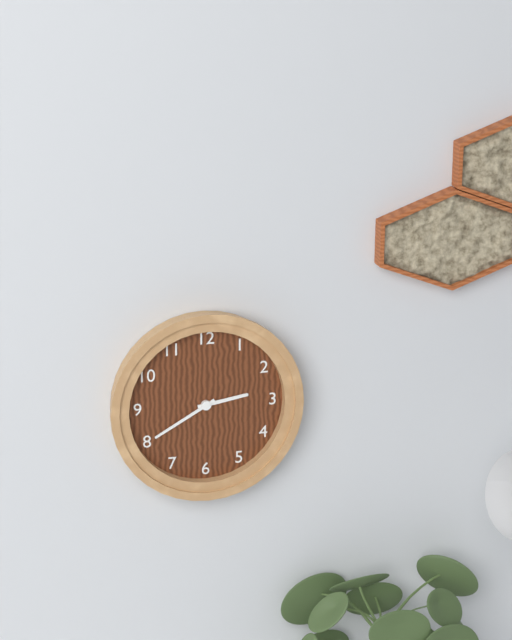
2 h 40 min
